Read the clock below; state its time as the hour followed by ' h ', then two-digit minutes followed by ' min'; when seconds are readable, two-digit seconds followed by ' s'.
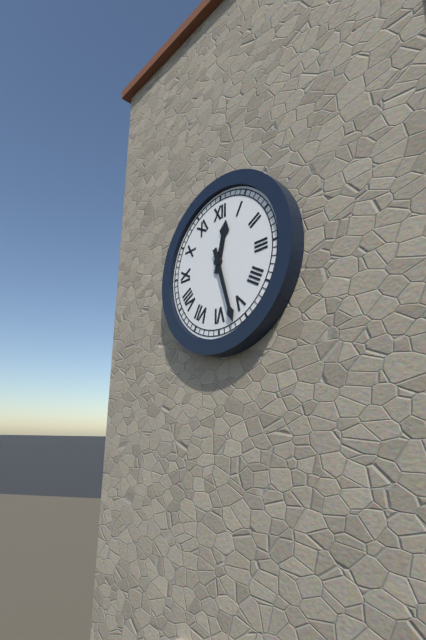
12 h 27 min
